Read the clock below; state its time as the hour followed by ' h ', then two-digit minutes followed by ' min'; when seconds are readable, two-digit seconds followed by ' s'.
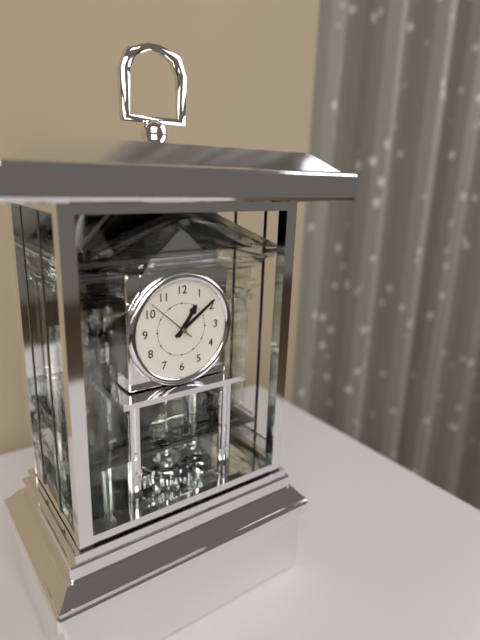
1 h 09 min
